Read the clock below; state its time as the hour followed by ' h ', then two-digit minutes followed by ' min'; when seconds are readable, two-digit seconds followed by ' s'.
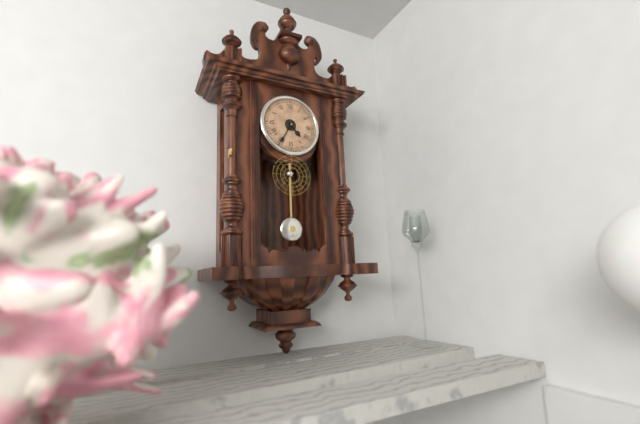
4 h 35 min
